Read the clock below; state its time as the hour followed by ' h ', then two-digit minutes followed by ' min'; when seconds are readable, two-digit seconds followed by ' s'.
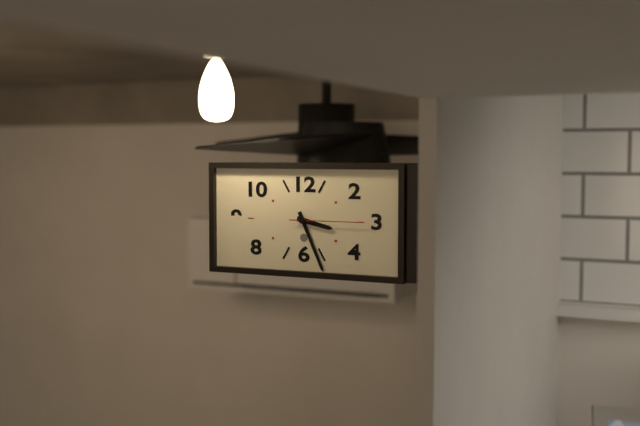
3 h 26 min 15 s
